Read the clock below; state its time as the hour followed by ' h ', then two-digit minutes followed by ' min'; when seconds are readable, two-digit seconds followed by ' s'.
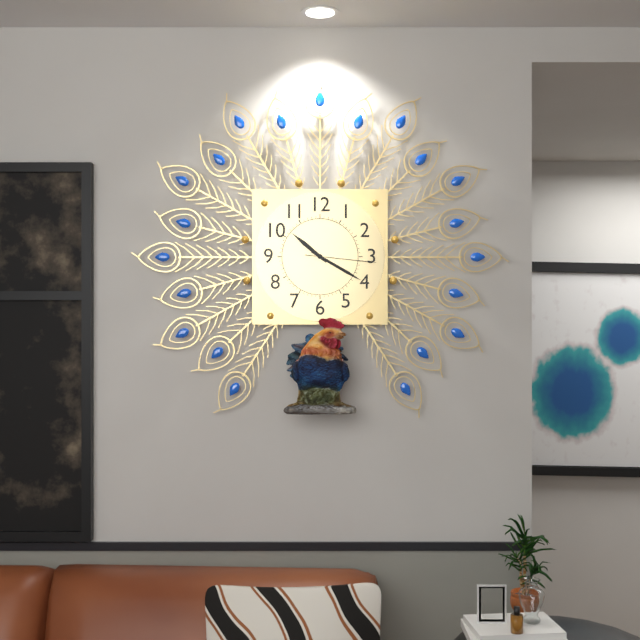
10 h 20 min 16 s
